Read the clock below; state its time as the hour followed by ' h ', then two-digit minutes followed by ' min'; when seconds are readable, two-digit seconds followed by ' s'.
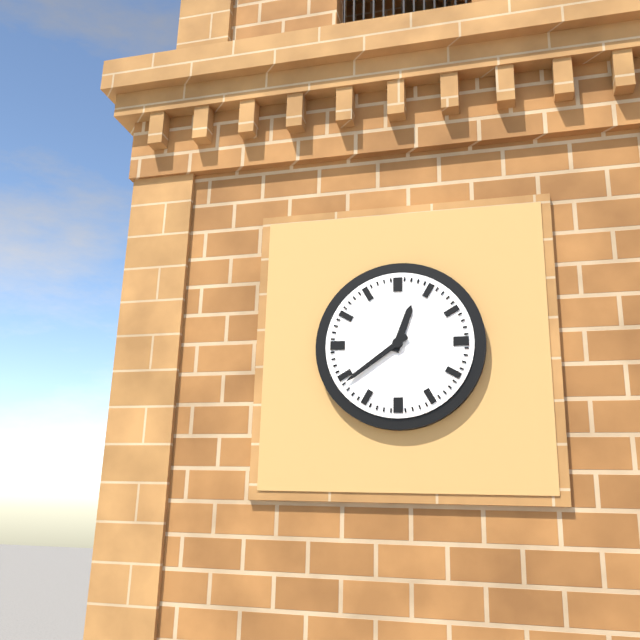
12 h 39 min
